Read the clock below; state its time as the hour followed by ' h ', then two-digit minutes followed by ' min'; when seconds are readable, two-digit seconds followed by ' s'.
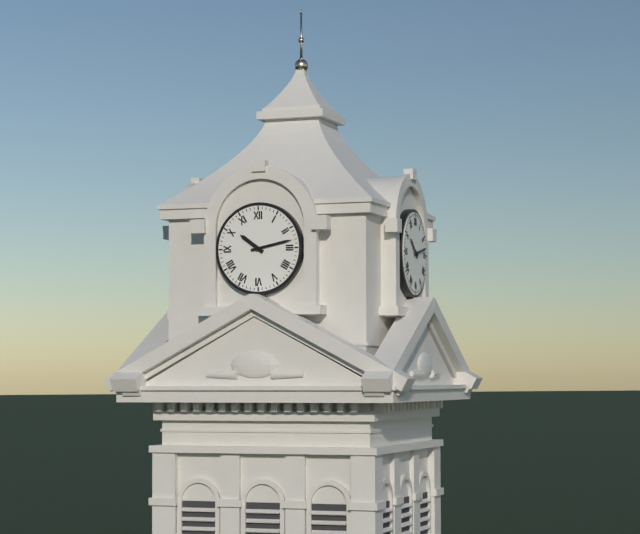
10 h 13 min
